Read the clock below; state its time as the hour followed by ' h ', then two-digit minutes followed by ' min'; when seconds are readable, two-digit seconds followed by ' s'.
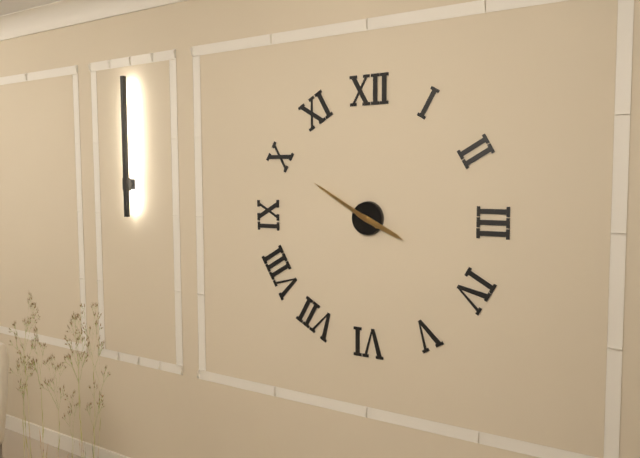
3 h 50 min
